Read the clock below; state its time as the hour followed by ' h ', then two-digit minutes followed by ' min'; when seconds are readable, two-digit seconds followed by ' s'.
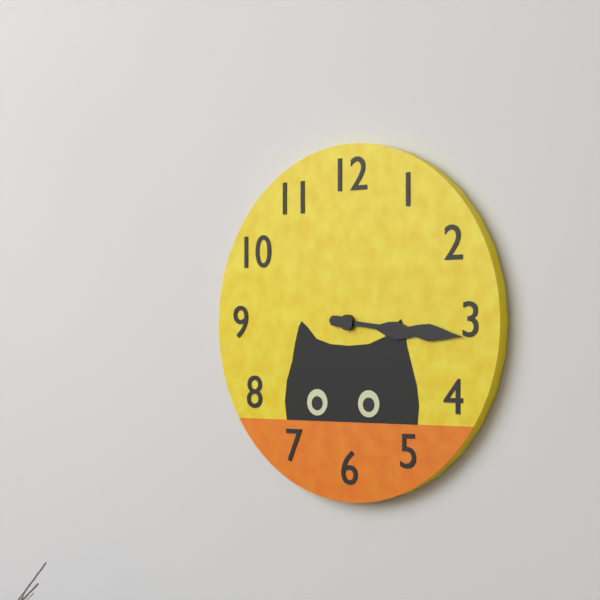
3 h 16 min
